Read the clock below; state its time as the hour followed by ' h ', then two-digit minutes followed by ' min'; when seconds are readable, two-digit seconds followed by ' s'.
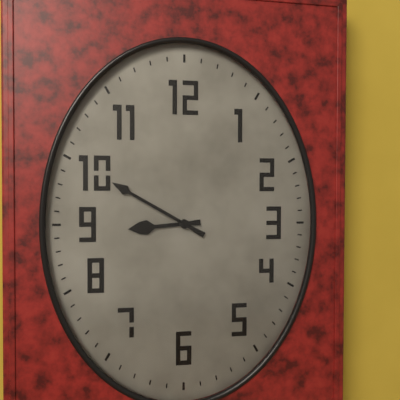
8 h 50 min
